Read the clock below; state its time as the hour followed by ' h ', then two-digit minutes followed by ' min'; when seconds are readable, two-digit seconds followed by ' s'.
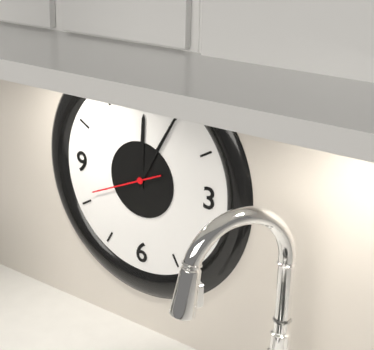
12 h 05 min 41 s
